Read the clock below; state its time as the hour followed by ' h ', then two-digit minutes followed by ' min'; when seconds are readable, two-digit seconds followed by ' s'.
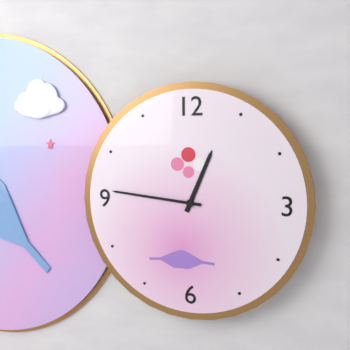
12 h 46 min
